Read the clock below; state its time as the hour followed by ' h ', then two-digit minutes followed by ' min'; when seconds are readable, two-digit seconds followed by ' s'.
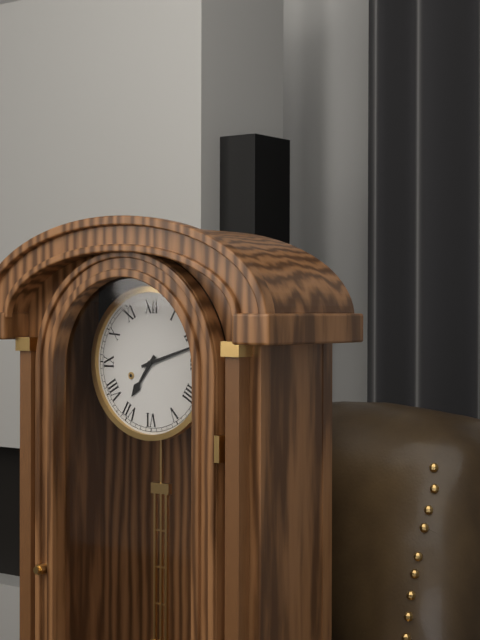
7 h 12 min
